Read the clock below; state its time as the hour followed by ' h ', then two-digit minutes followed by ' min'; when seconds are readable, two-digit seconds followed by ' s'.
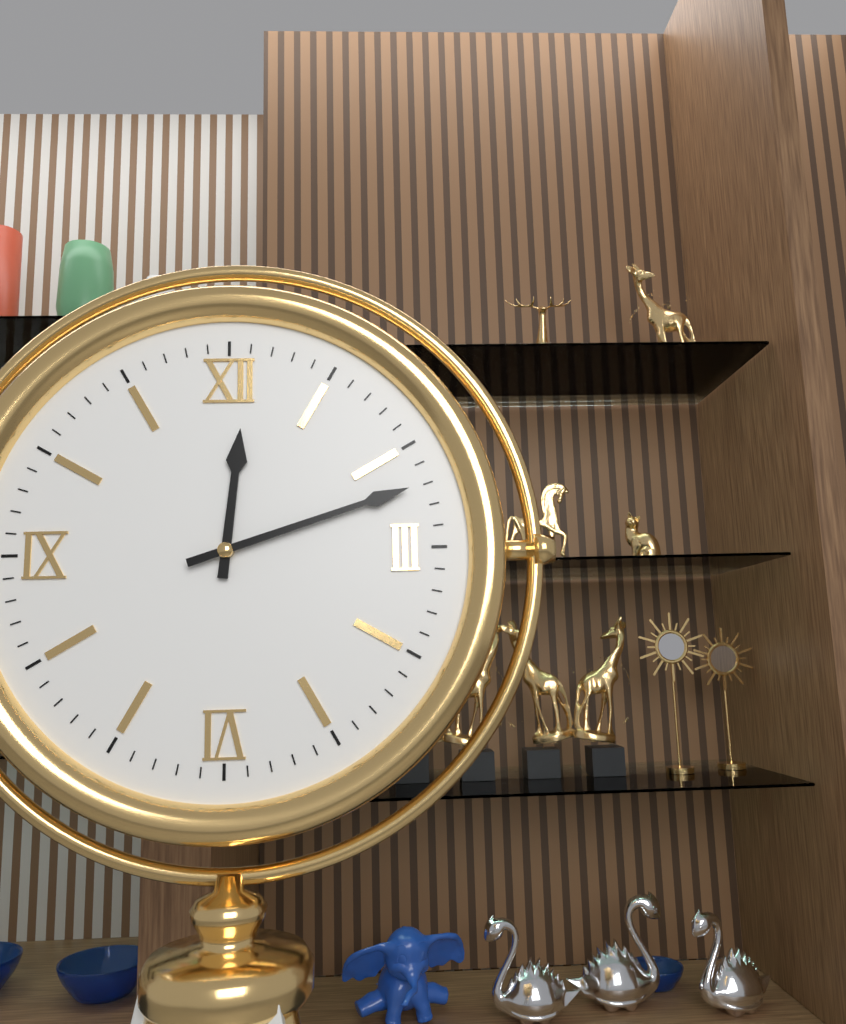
12 h 12 min
